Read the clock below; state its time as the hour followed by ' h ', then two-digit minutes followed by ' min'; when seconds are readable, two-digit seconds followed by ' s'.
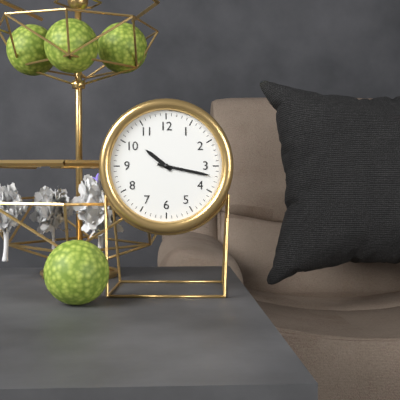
10 h 17 min
